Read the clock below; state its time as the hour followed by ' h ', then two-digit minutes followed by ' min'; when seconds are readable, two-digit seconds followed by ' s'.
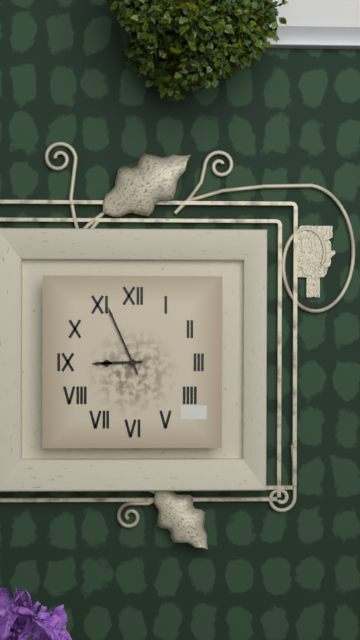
8 h 56 min
